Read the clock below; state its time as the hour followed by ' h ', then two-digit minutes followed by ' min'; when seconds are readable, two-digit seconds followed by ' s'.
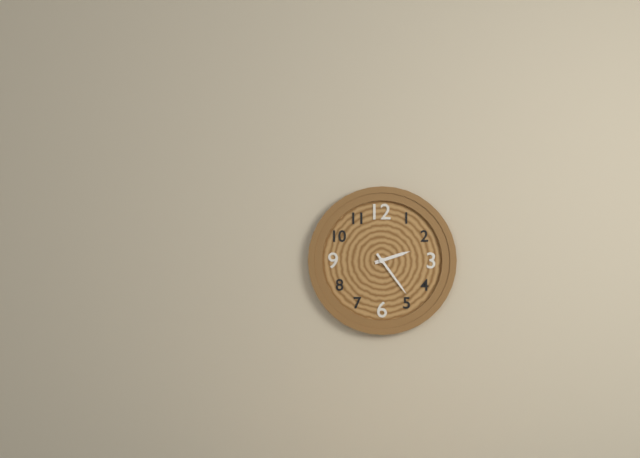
2 h 24 min
